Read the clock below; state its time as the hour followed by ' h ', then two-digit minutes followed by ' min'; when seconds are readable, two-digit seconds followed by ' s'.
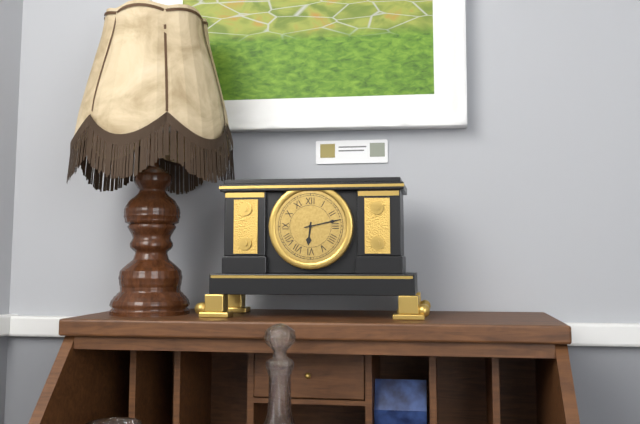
6 h 13 min
